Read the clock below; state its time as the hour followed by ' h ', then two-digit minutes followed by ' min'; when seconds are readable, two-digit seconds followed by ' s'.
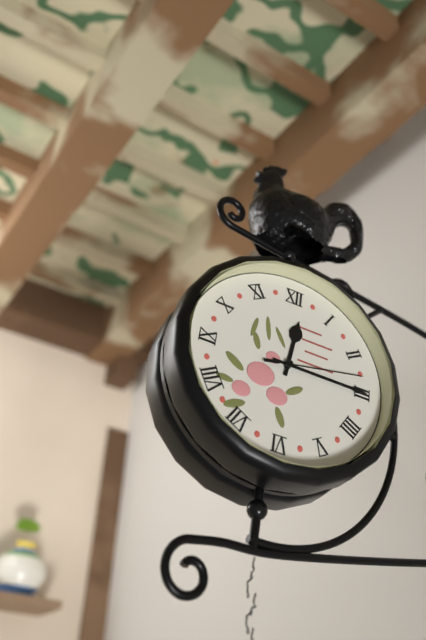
12 h 15 min 13 s
